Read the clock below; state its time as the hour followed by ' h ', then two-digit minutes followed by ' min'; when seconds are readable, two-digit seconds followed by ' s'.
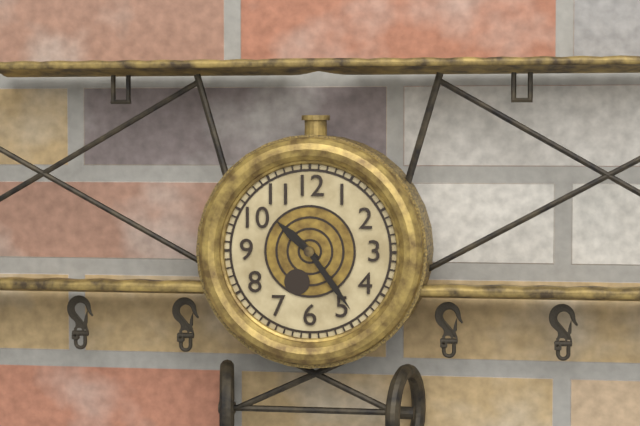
10 h 24 min
